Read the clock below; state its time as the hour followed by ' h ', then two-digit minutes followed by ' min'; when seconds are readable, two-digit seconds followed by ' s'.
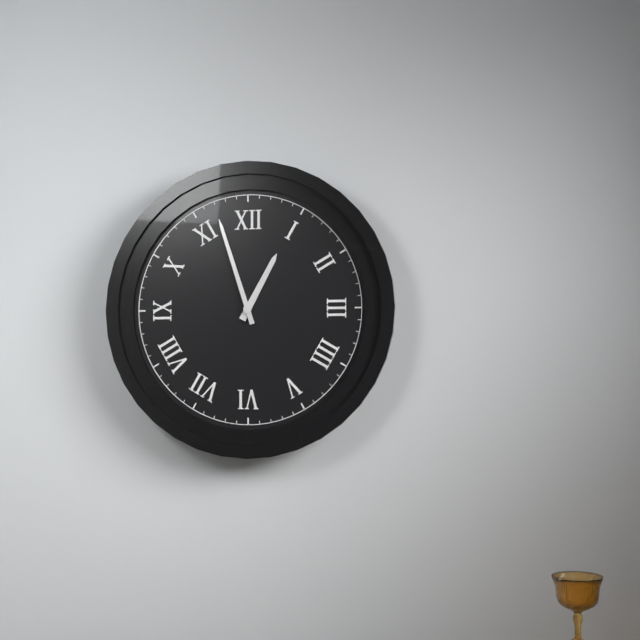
12 h 57 min
